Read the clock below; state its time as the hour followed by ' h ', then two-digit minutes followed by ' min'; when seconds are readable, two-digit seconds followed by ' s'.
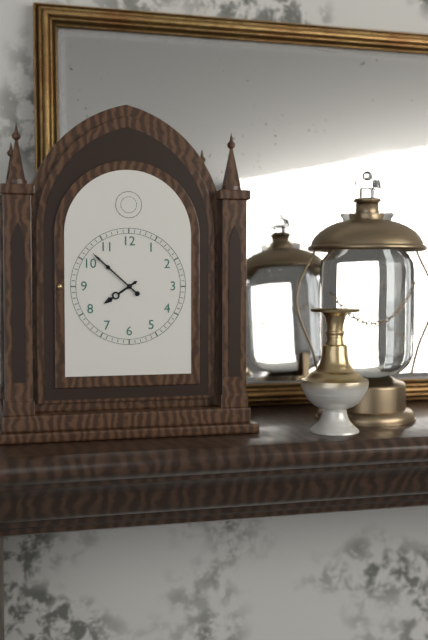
7 h 52 min
